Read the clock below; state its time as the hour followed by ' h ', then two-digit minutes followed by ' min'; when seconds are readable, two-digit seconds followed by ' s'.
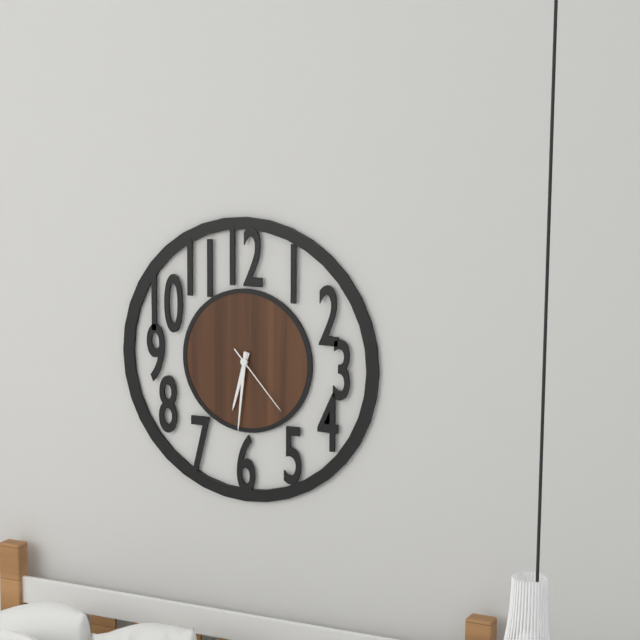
6 h 31 min 23 s
